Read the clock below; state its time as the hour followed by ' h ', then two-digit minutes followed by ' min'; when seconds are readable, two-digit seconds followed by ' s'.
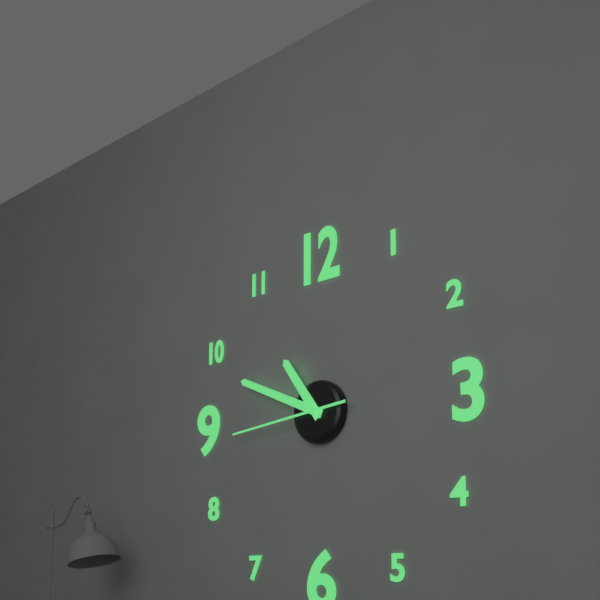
10 h 49 min 44 s
